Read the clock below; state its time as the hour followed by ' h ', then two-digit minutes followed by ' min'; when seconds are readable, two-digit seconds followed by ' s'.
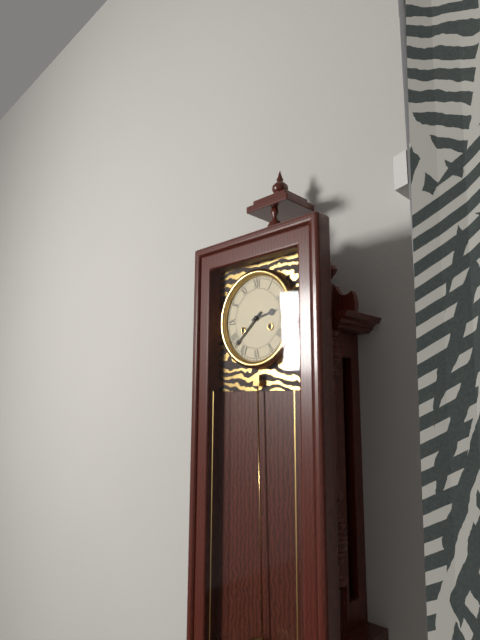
2 h 38 min
